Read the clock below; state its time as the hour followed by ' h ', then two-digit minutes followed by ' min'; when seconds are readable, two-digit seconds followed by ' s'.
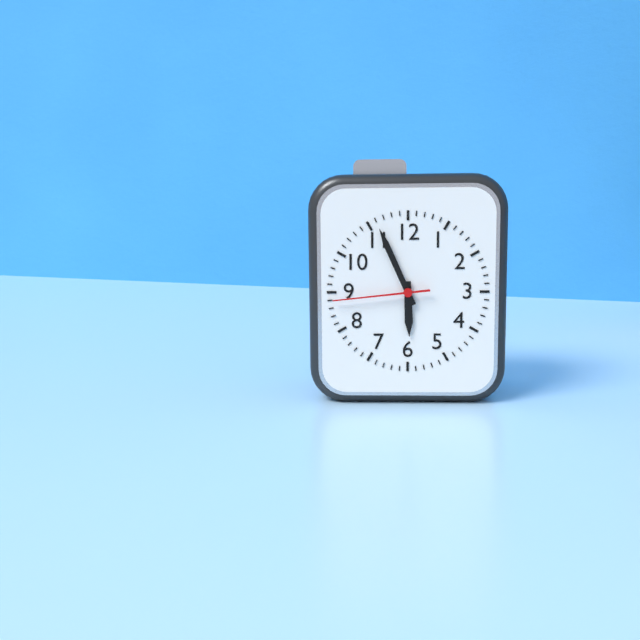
5 h 56 min 44 s
